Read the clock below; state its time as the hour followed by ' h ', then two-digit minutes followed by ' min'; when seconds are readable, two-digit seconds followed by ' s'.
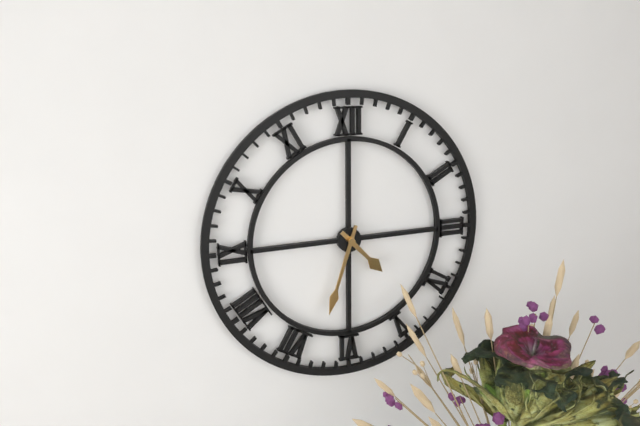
4 h 33 min
